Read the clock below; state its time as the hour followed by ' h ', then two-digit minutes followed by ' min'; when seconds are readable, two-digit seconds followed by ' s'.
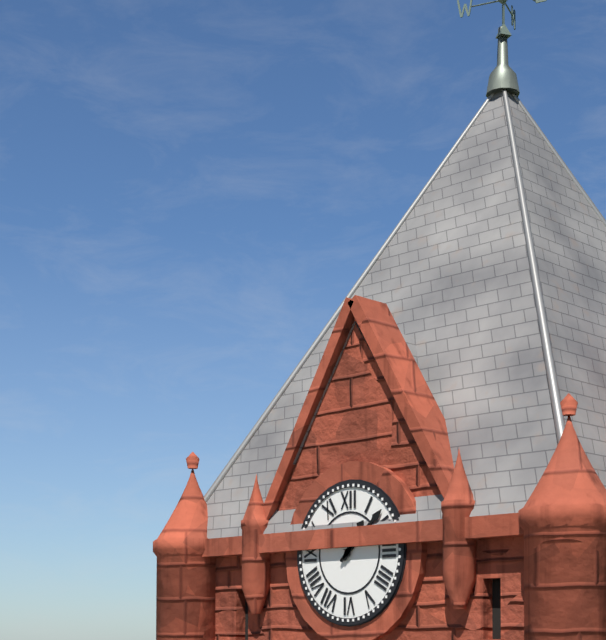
1 h 08 min
